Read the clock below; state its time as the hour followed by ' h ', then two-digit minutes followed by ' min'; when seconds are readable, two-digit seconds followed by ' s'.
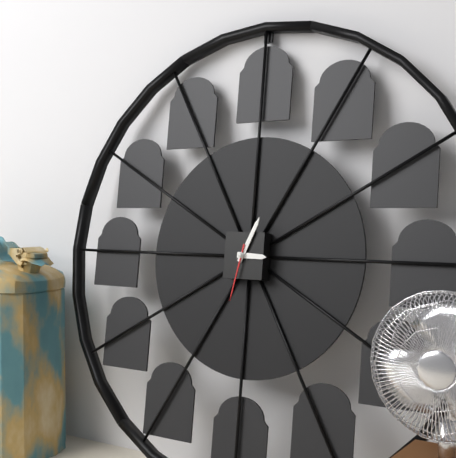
3 h 04 min 32 s
